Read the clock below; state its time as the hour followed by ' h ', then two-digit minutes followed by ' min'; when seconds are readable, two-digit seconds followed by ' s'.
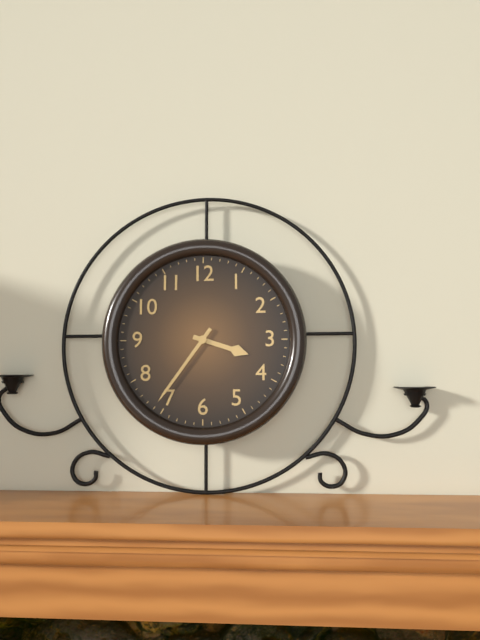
3 h 36 min
